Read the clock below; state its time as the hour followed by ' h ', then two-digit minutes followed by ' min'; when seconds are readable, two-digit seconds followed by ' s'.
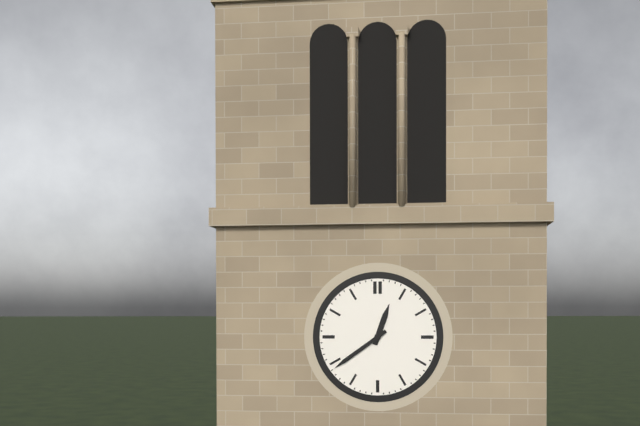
12 h 39 min
